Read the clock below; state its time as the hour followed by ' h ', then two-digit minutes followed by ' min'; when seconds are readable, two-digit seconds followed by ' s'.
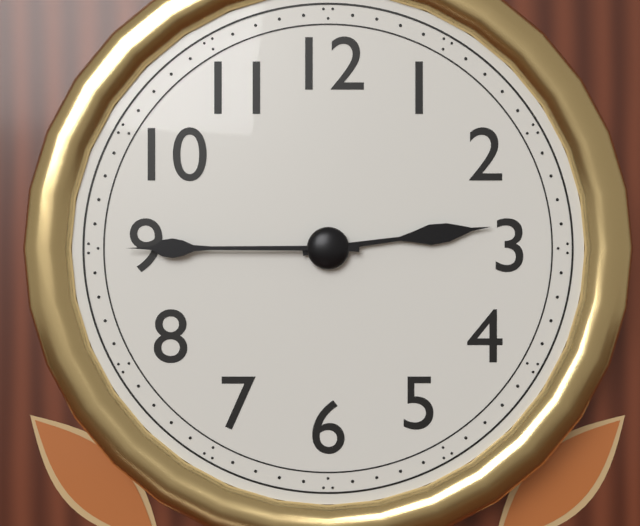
2 h 45 min
